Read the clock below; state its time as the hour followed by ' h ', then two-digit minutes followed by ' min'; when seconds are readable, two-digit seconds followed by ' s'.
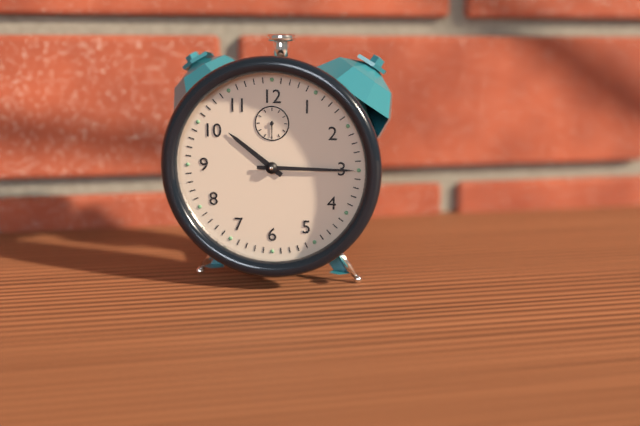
10 h 15 min
